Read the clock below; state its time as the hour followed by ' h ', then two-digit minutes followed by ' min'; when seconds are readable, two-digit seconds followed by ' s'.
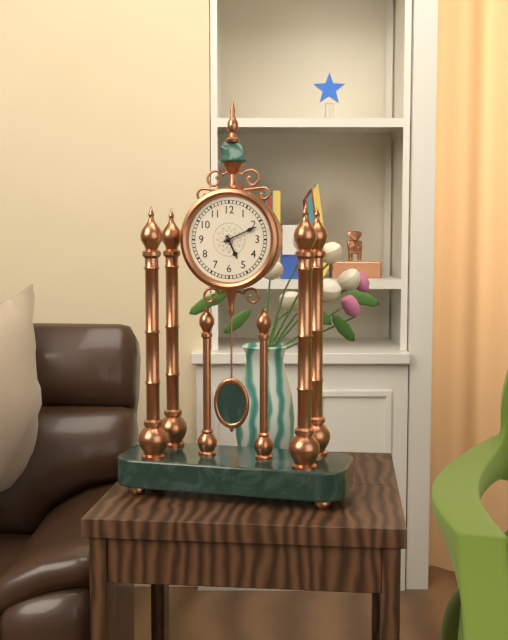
5 h 11 min
